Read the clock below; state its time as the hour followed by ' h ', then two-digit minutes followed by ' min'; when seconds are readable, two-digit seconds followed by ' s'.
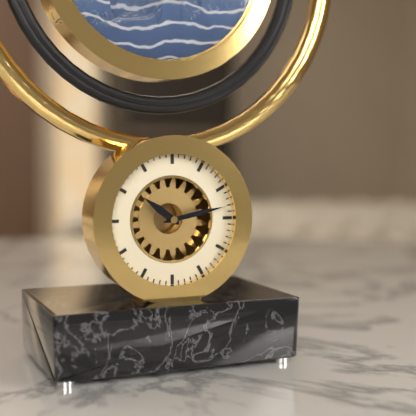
10 h 13 min
